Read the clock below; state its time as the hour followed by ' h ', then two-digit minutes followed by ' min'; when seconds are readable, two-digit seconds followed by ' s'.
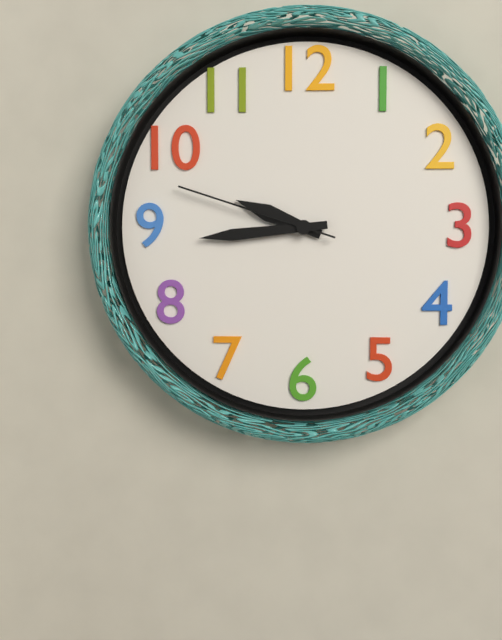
9 h 44 min 48 s
